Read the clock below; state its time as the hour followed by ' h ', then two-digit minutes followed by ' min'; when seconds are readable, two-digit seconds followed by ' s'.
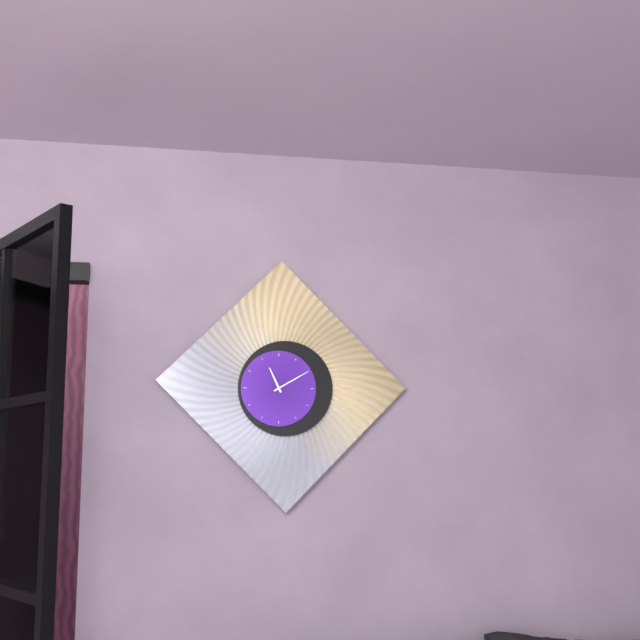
11 h 10 min
